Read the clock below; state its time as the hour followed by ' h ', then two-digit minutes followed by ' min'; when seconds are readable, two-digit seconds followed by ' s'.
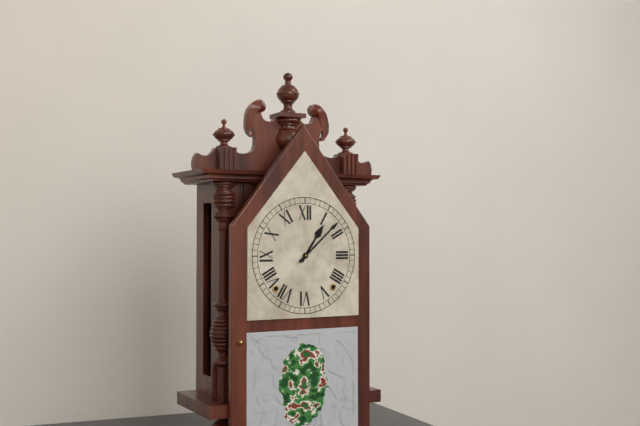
1 h 08 min
